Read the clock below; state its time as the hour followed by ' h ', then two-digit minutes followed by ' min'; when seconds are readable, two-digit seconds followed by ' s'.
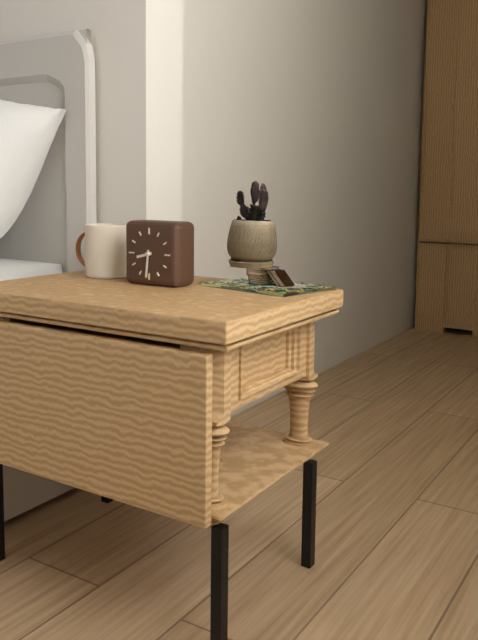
8 h 31 min
